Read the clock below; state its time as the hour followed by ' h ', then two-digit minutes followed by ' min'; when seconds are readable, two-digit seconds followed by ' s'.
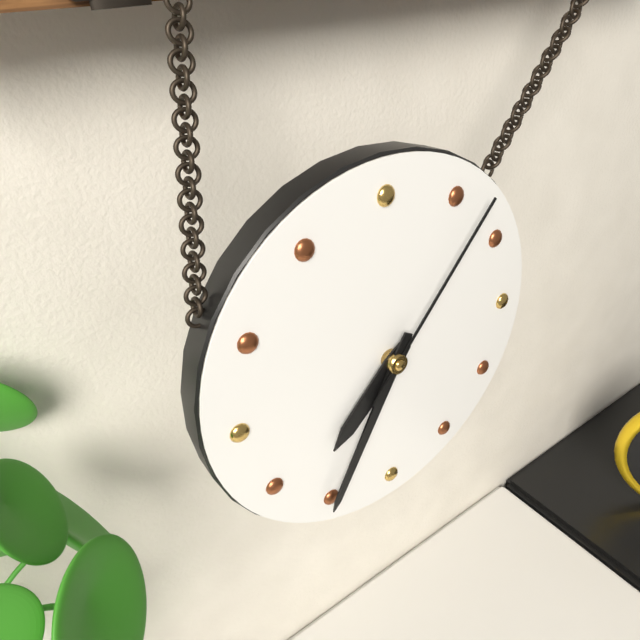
7 h 35 min 07 s
